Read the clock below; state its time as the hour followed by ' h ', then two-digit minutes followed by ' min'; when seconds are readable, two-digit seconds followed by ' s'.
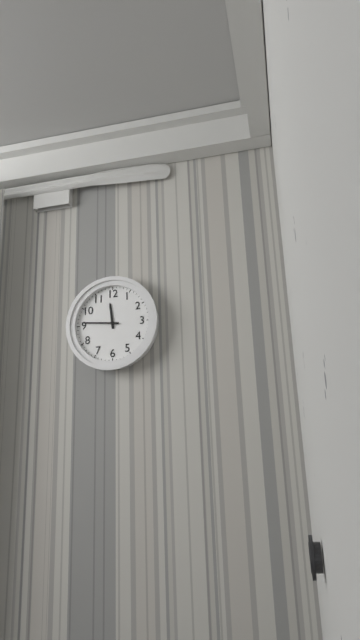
11 h 46 min
